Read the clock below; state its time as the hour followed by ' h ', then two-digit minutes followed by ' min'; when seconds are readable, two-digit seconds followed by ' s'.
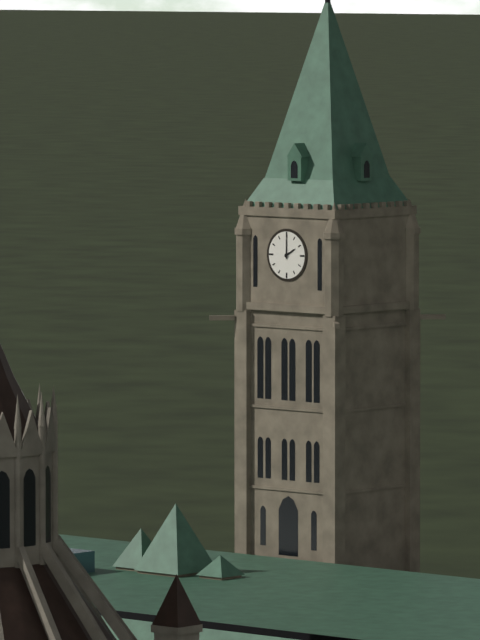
2 h 00 min
